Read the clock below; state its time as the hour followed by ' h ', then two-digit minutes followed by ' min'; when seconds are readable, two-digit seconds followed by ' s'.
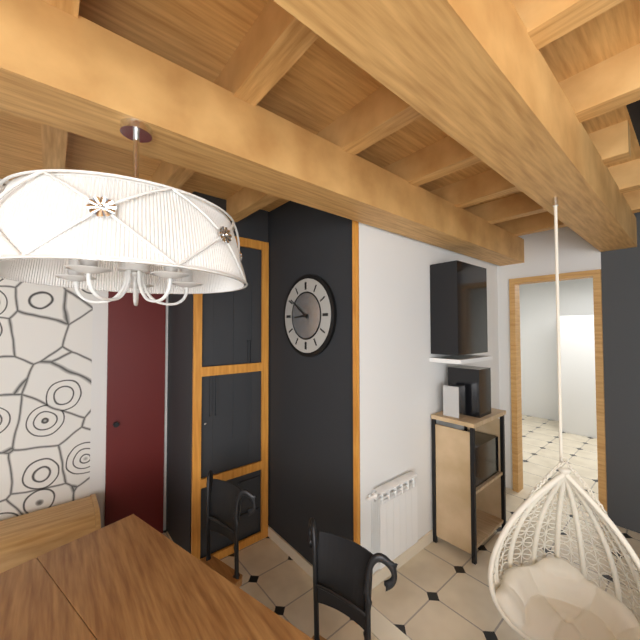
8 h 51 min
